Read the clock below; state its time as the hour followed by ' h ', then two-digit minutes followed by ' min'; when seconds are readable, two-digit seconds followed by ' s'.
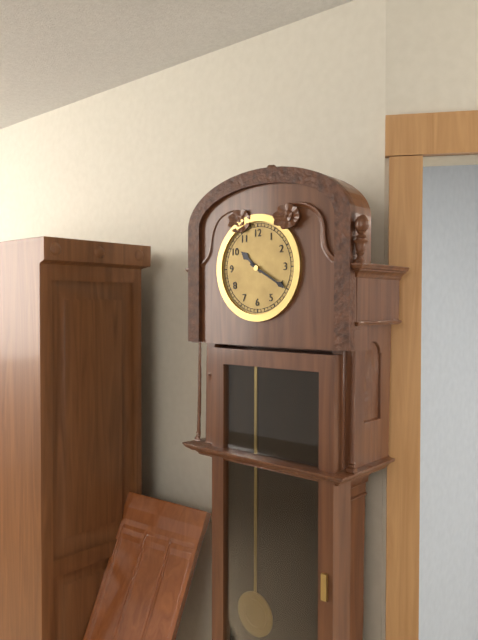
10 h 20 min
